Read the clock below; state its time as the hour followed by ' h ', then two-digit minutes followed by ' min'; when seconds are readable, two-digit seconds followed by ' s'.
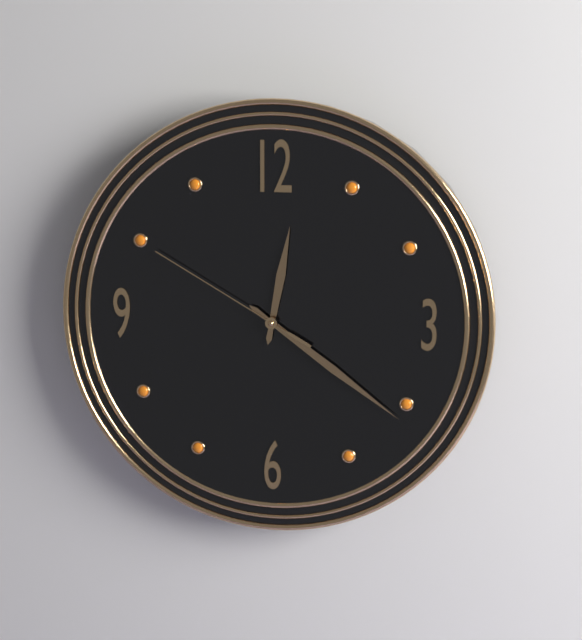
12 h 21 min 50 s
